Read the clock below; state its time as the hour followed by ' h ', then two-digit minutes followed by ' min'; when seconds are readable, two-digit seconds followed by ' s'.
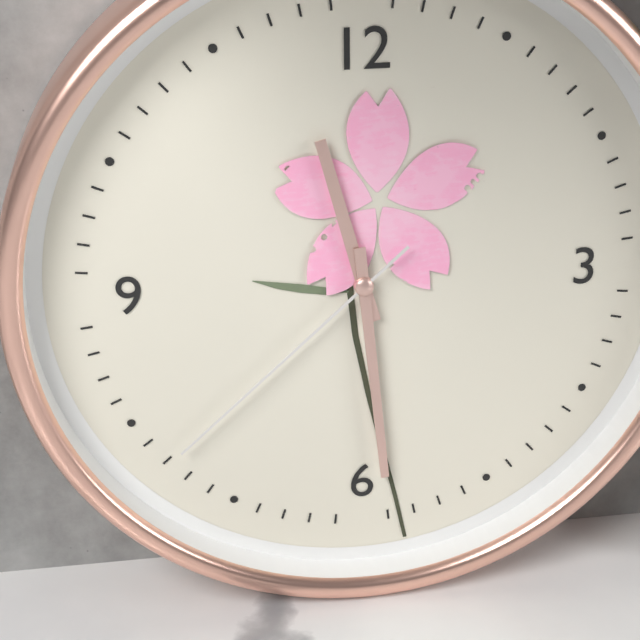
11 h 29 min 38 s
